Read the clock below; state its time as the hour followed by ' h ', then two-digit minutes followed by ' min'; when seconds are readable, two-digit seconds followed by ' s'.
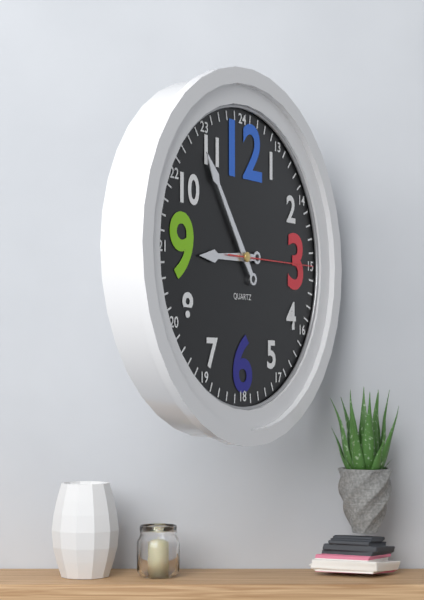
8 h 54 min 15 s
